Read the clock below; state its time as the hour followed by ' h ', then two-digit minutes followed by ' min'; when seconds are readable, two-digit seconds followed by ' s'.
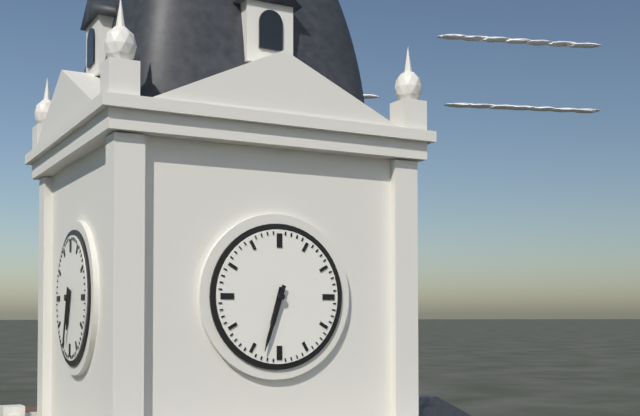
6 h 33 min
